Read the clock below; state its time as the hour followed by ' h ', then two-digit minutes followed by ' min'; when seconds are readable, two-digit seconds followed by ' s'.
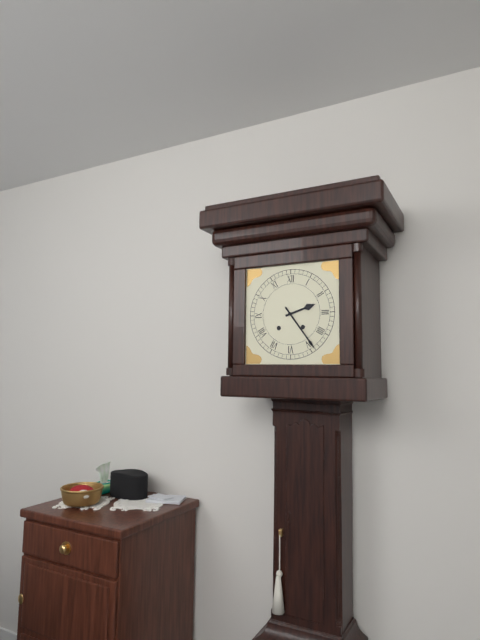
2 h 24 min
